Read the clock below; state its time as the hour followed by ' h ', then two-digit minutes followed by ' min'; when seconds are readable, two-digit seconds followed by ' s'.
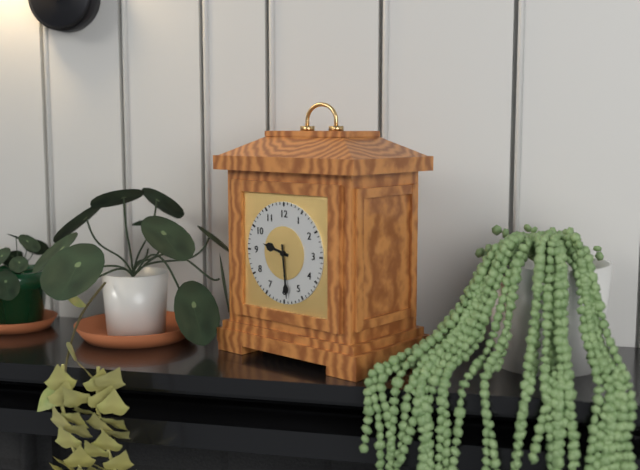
9 h 29 min
